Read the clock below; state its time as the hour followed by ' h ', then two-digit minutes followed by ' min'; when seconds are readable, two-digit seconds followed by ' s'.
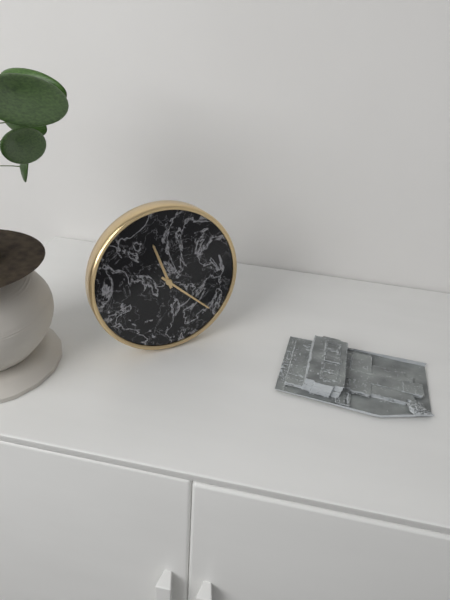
11 h 22 min
